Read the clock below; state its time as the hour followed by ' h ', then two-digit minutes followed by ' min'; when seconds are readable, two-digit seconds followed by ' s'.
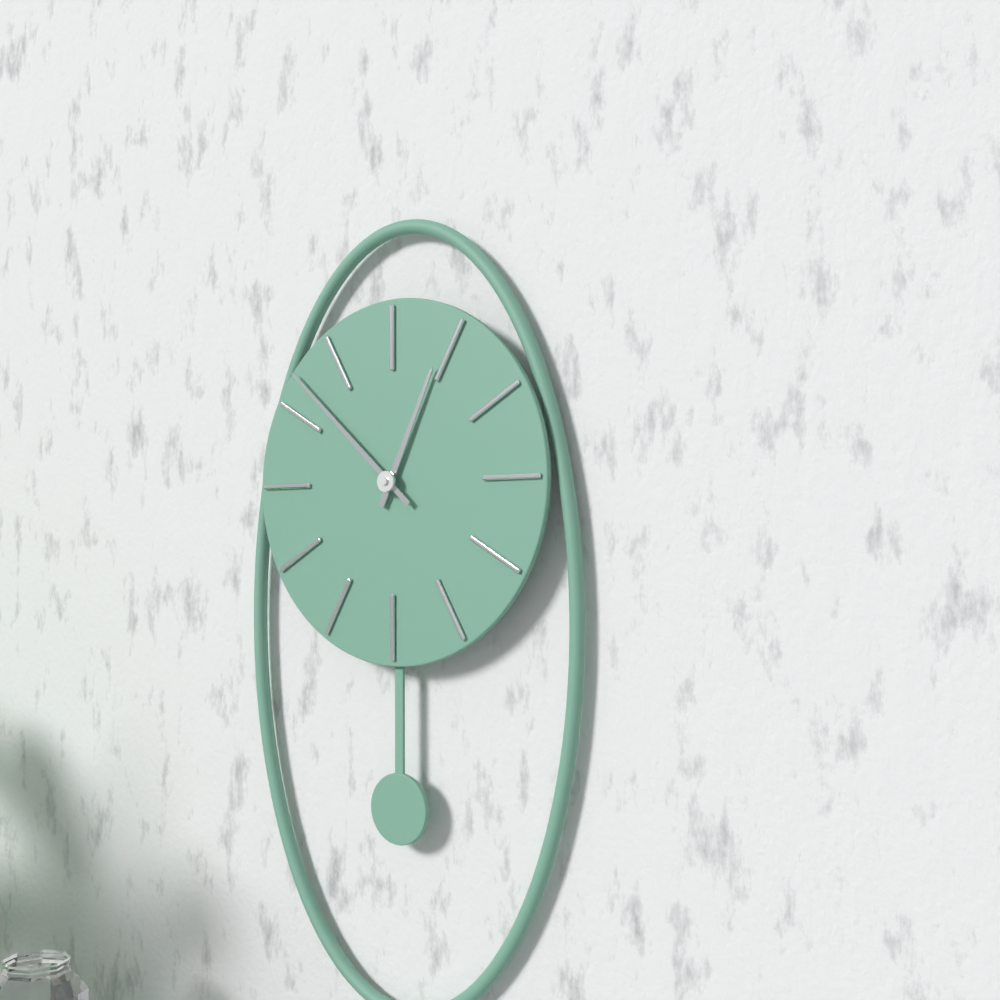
12 h 52 min
